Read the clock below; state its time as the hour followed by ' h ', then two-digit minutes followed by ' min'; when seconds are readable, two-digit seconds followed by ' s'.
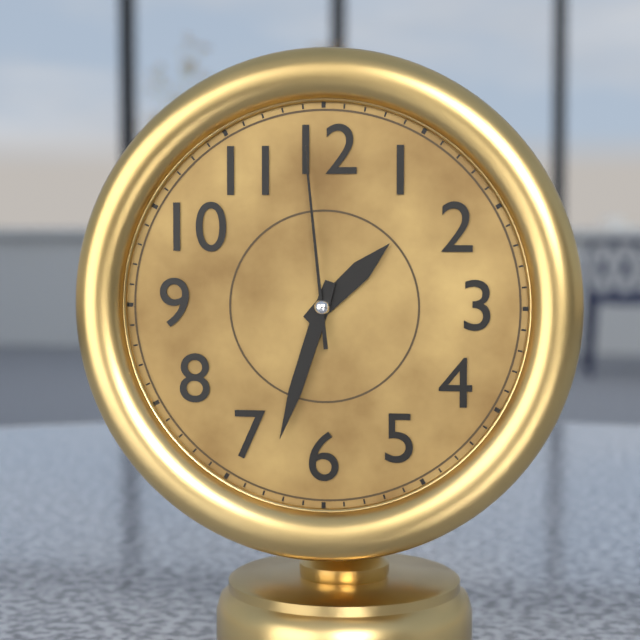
1 h 33 min 59 s
